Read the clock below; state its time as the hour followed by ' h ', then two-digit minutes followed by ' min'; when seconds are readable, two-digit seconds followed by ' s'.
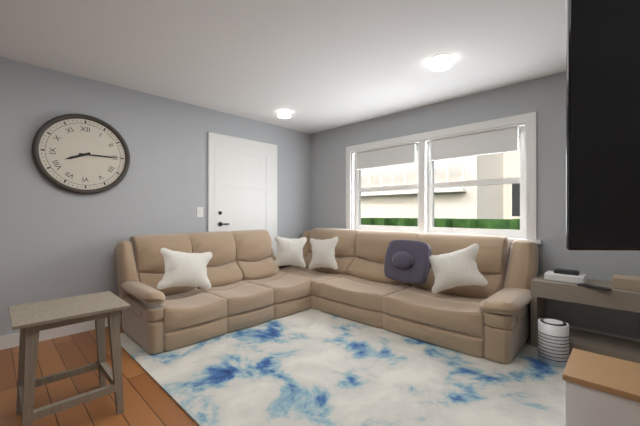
8 h 15 min
